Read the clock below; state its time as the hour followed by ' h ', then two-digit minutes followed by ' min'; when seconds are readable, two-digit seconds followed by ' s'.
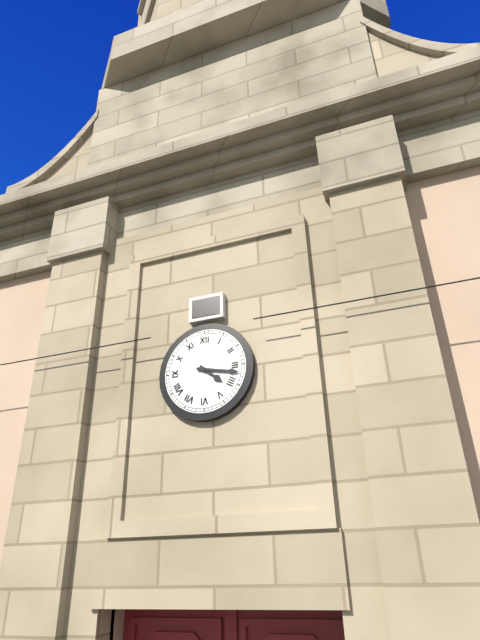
4 h 17 min
